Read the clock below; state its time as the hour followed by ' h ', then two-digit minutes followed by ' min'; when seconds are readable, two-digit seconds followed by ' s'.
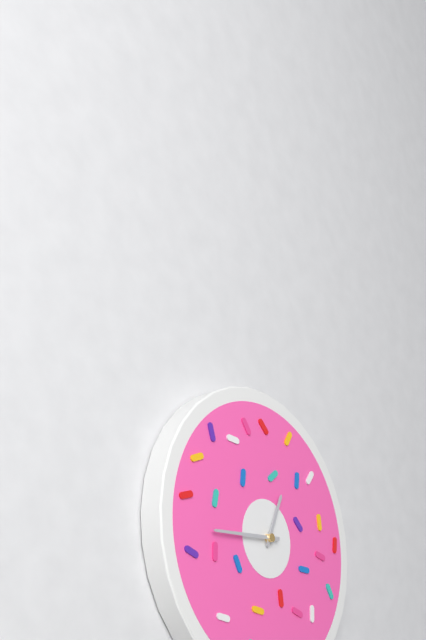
12 h 44 min
